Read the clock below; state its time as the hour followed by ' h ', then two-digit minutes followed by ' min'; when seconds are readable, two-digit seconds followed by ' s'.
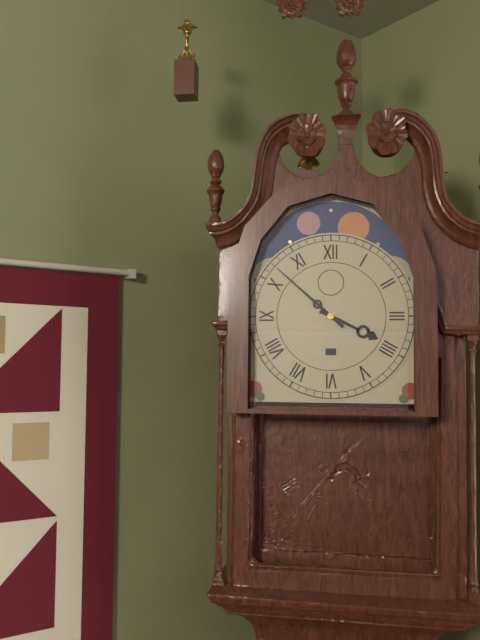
3 h 52 min
